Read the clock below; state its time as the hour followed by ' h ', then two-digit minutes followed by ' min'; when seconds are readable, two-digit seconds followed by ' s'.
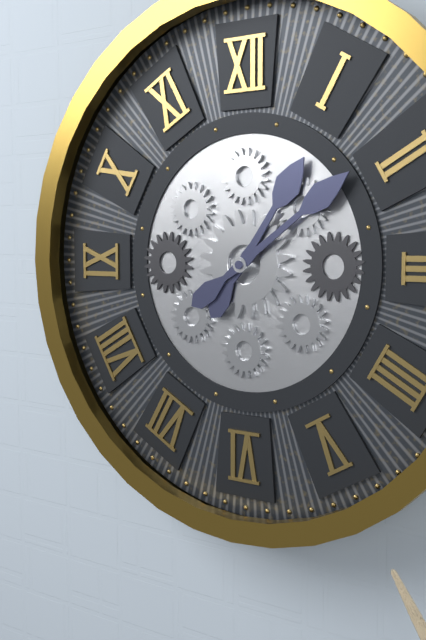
1 h 09 min
